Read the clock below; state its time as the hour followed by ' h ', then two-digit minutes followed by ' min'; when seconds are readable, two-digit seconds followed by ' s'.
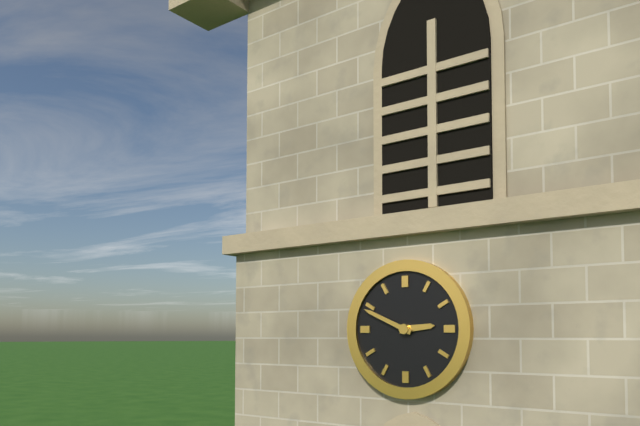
2 h 49 min
